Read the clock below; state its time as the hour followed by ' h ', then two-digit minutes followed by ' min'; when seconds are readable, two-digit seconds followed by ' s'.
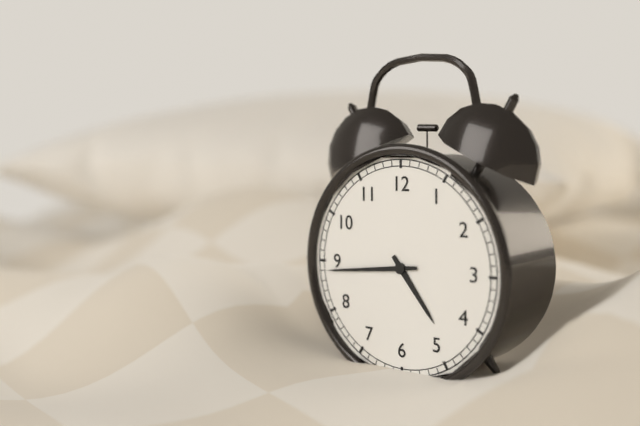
4 h 44 min
